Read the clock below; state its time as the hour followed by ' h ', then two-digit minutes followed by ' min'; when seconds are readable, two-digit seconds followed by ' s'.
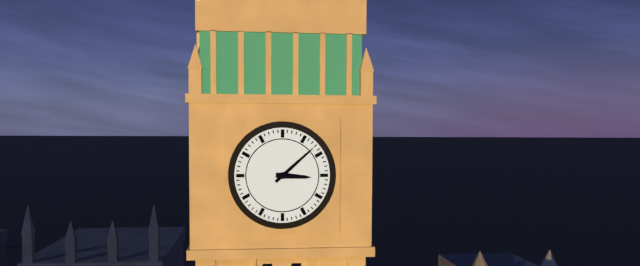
3 h 08 min
